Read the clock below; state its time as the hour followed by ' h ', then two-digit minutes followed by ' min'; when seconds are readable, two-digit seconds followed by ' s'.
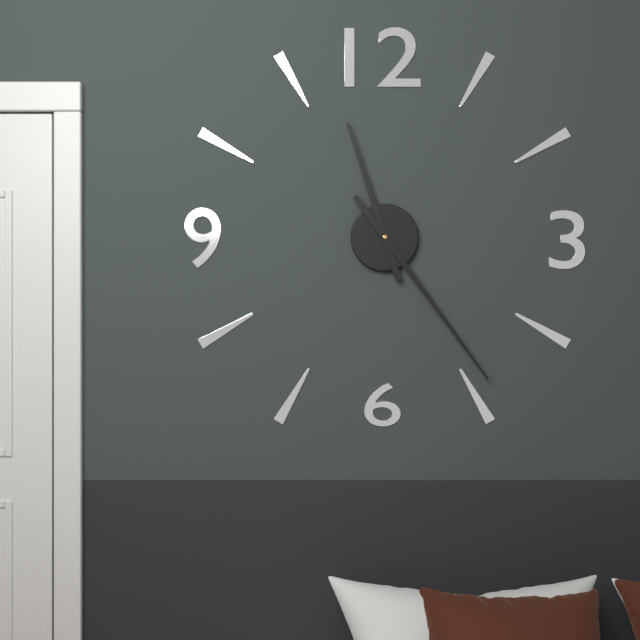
11 h 24 min
